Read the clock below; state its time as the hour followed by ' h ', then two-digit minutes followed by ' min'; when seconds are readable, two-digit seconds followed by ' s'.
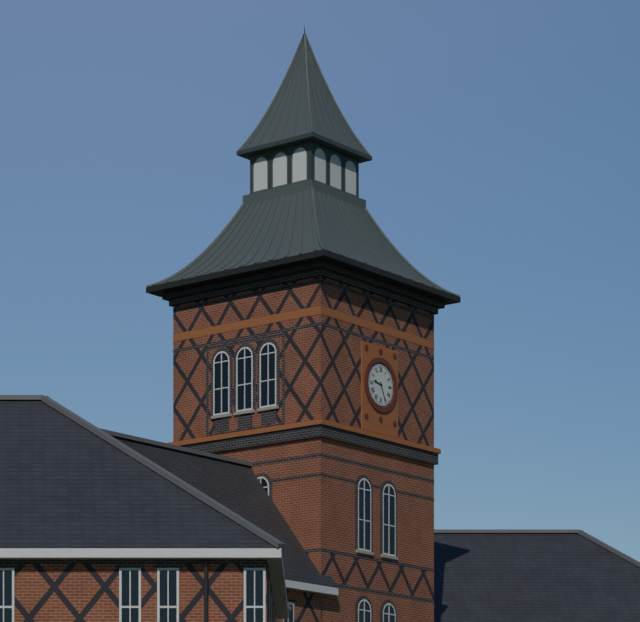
9 h 26 min
